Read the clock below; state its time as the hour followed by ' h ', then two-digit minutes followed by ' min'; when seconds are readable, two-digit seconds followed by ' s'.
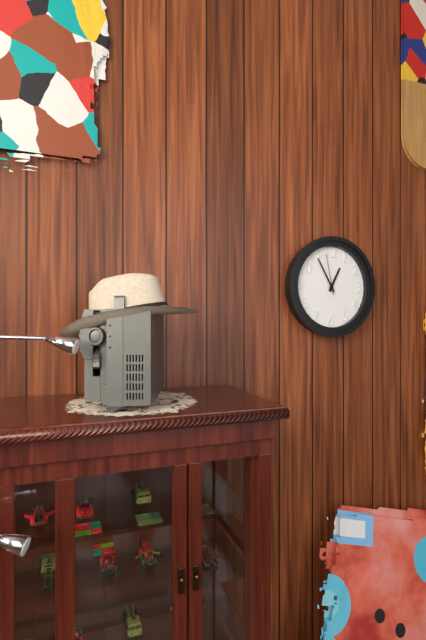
12 h 55 min
